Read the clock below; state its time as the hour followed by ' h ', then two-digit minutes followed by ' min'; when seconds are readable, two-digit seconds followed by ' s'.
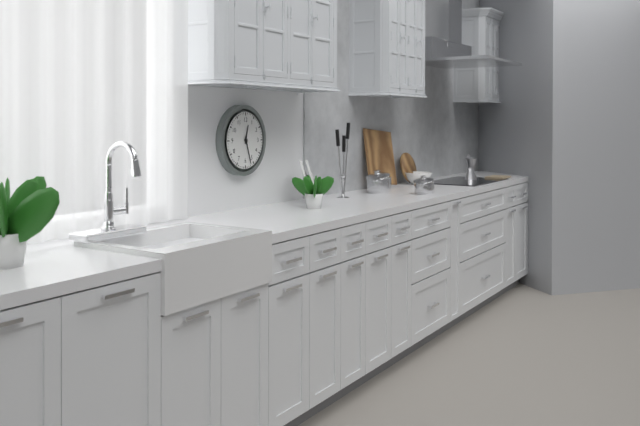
12 h 27 min
